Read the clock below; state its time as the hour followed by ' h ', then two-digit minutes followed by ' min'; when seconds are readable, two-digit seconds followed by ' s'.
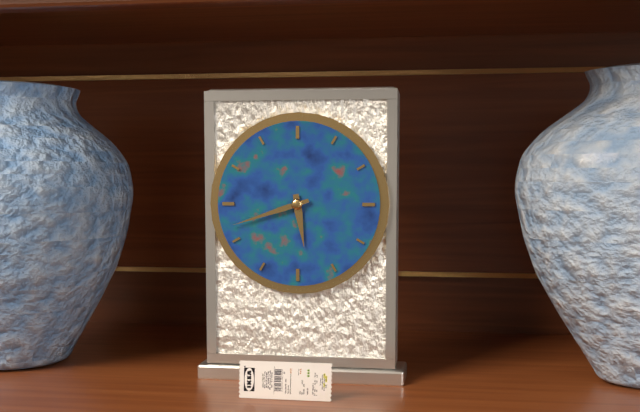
5 h 42 min
